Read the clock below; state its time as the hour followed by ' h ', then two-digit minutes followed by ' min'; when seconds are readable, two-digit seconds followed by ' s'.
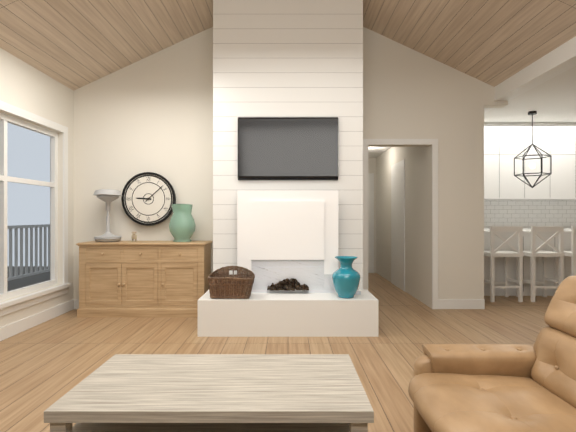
9 h 08 min
